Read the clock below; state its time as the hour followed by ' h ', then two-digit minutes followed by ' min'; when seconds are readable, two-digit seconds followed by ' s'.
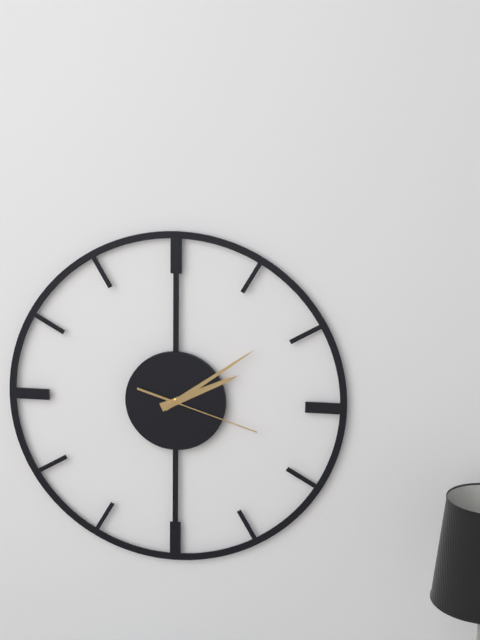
2 h 09 min 18 s
